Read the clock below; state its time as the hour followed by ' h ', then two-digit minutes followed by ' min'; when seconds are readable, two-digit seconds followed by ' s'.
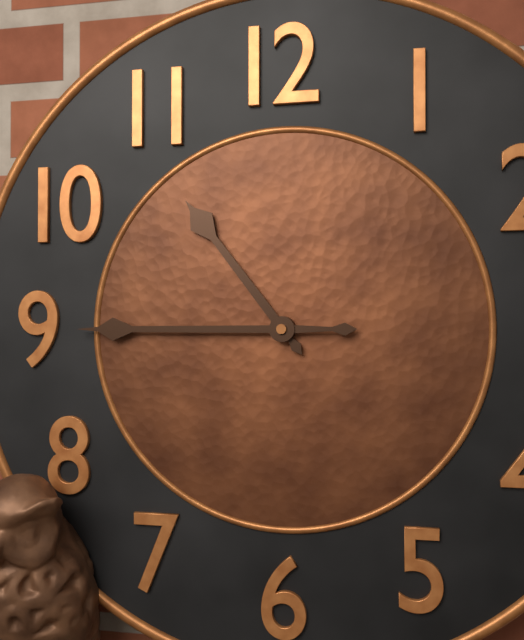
10 h 45 min
